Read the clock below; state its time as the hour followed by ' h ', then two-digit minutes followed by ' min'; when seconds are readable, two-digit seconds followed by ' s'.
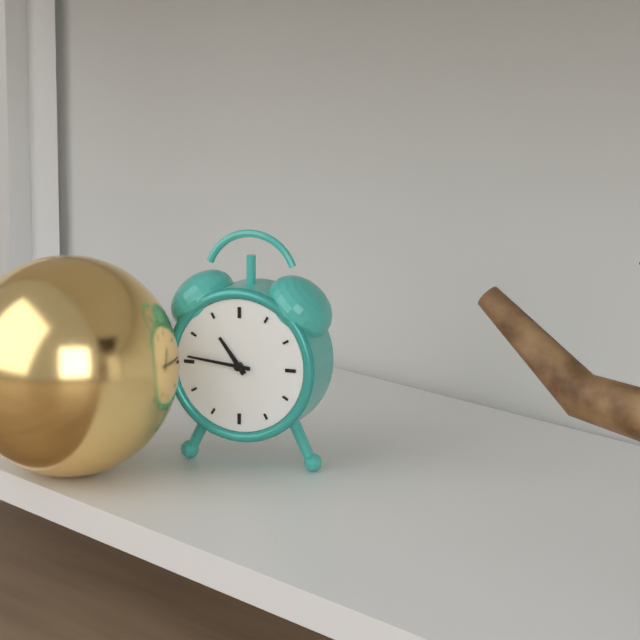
10 h 46 min
